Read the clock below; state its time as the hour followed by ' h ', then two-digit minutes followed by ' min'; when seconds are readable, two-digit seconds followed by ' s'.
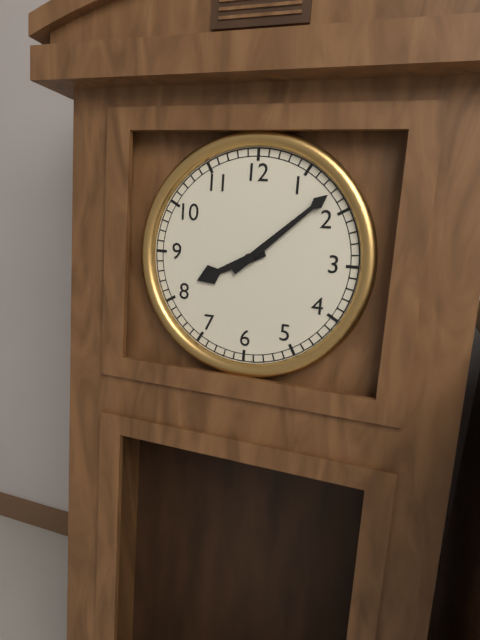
8 h 08 min
